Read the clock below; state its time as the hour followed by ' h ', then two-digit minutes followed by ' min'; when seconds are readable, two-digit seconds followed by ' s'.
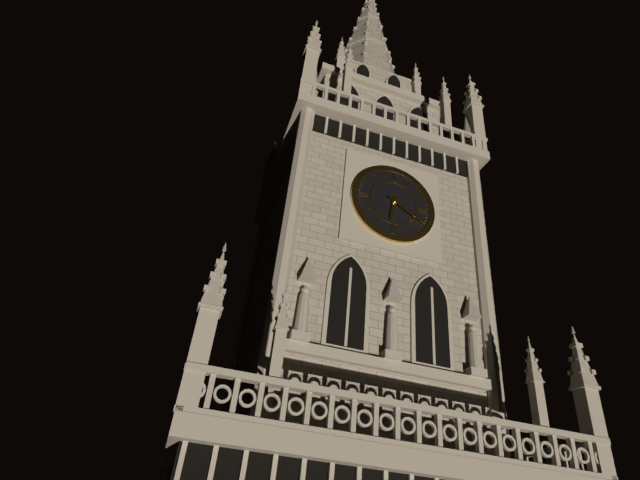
6 h 20 min
